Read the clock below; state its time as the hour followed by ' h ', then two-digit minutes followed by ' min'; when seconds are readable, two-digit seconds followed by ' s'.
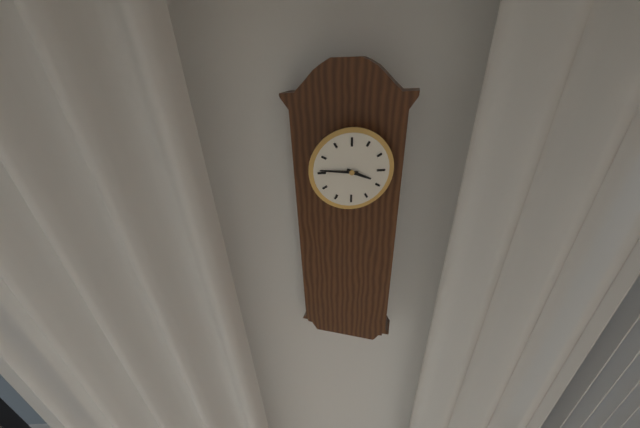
3 h 46 min
